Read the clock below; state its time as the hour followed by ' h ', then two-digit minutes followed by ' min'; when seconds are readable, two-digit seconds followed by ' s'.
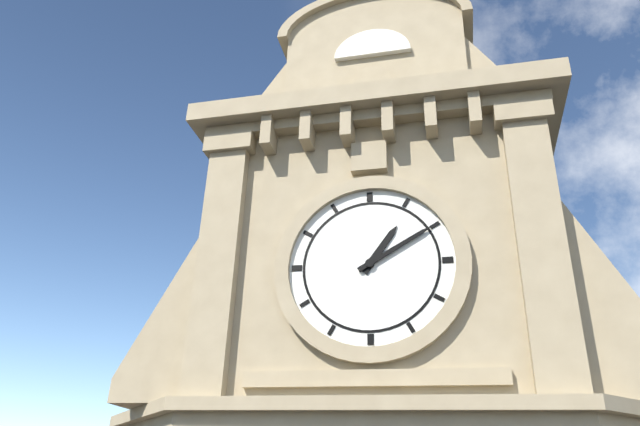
1 h 10 min
